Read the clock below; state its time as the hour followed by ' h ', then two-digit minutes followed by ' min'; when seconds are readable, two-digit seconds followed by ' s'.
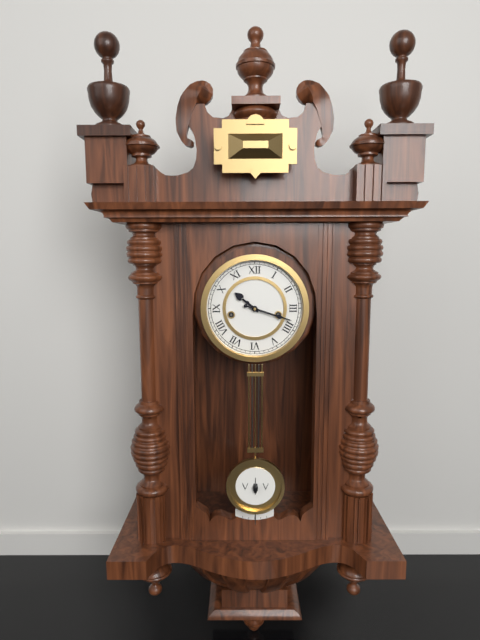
10 h 18 min
